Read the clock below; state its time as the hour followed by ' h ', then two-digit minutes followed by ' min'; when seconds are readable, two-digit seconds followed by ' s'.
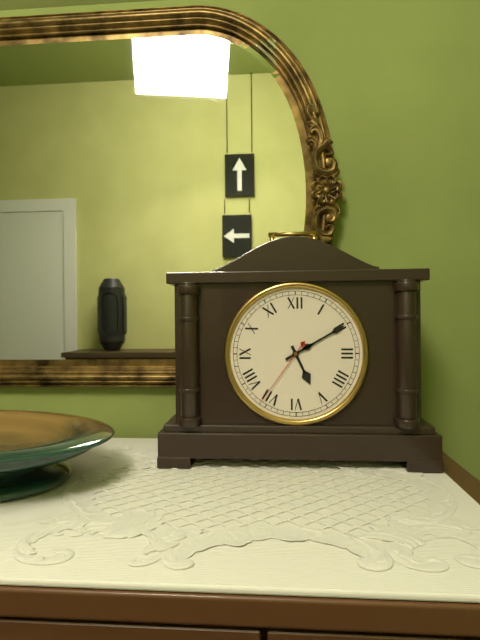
5 h 10 min 36 s
